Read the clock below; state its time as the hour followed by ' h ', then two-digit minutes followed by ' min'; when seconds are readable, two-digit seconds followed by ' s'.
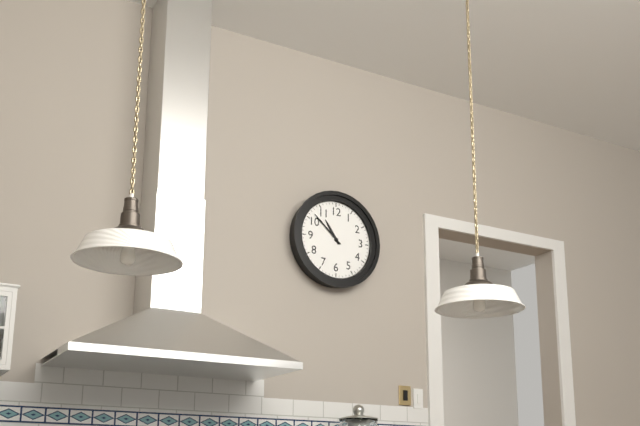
10 h 52 min
